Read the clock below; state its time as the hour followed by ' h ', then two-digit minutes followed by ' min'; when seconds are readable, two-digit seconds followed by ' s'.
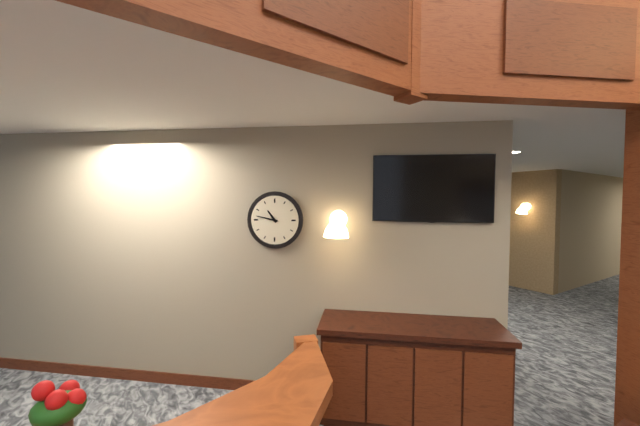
10 h 47 min
